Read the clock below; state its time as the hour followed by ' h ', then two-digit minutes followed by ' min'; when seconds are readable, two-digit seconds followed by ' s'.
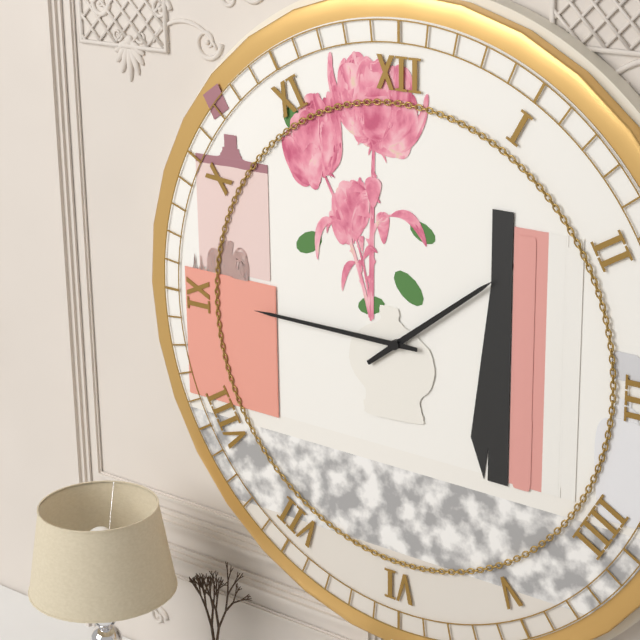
1 h 45 min
